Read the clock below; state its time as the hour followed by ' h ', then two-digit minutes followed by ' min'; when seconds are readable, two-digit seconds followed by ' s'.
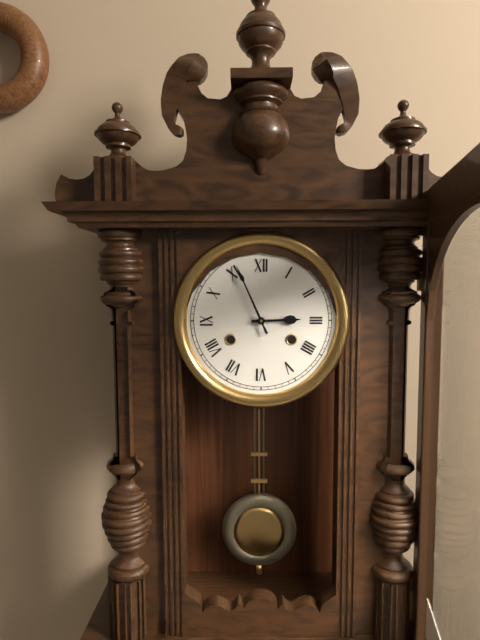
2 h 56 min
